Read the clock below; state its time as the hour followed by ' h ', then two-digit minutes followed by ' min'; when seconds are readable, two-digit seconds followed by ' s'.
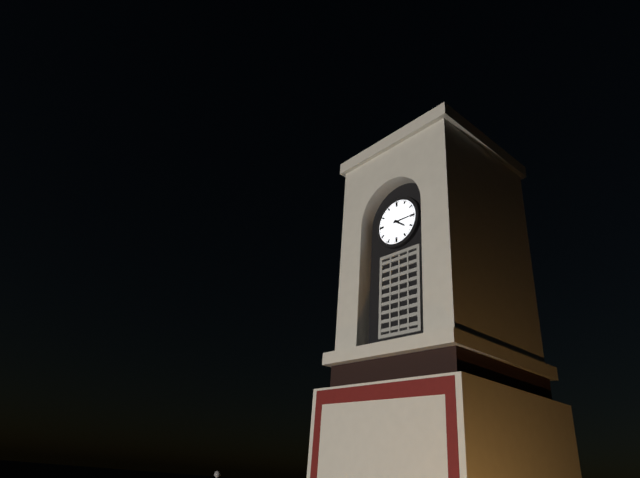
4 h 15 min
